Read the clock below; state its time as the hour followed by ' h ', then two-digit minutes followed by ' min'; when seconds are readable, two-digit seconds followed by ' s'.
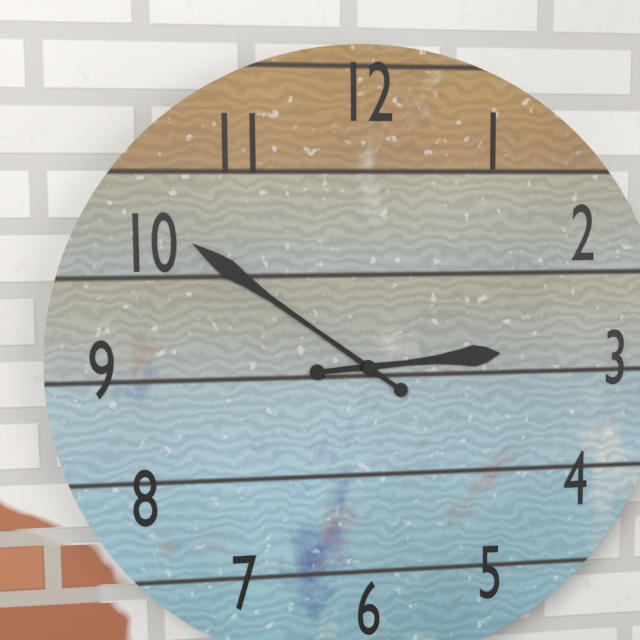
2 h 51 min
